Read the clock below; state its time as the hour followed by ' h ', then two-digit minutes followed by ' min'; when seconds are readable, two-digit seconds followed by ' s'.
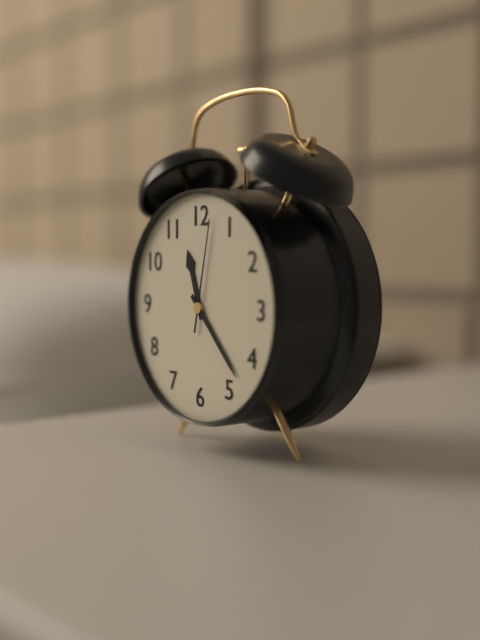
11 h 23 min 02 s
